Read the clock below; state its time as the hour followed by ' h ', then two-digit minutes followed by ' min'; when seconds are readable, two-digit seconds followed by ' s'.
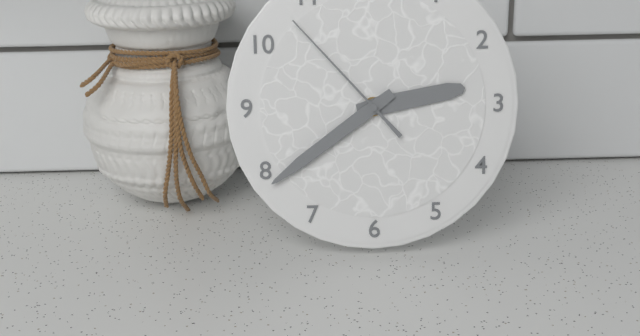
2 h 39 min 53 s
